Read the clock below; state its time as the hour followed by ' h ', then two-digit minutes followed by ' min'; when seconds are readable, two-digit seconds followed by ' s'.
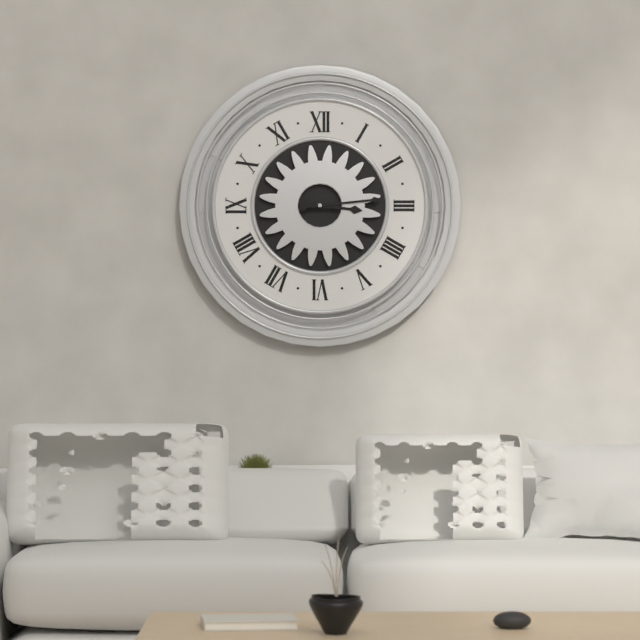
3 h 14 min
